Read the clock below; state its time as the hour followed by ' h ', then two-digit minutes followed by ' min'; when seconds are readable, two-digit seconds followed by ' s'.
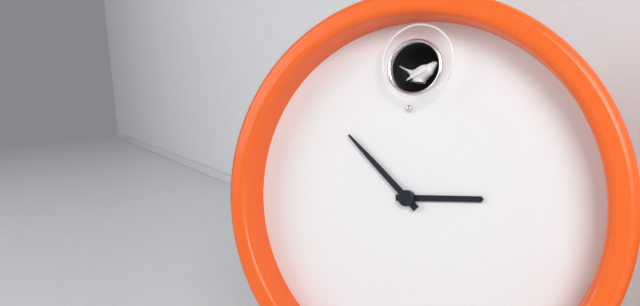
2 h 52 min
